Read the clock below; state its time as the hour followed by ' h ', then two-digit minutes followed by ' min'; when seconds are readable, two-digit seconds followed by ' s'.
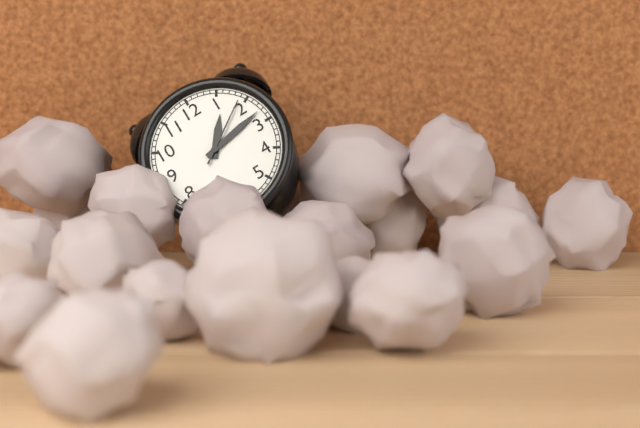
1 h 13 min 09 s
